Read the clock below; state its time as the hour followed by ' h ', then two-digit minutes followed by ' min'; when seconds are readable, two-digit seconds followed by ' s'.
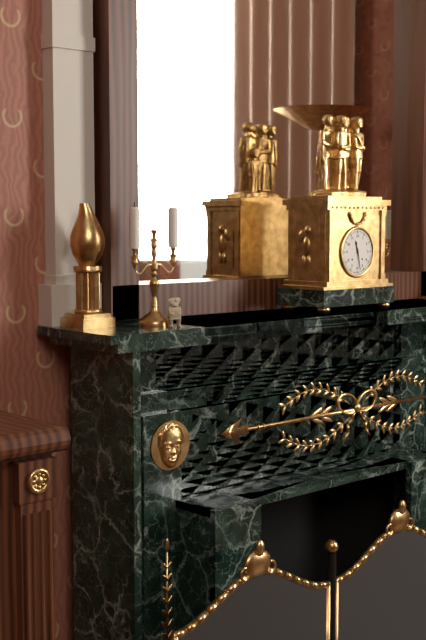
11 h 28 min
